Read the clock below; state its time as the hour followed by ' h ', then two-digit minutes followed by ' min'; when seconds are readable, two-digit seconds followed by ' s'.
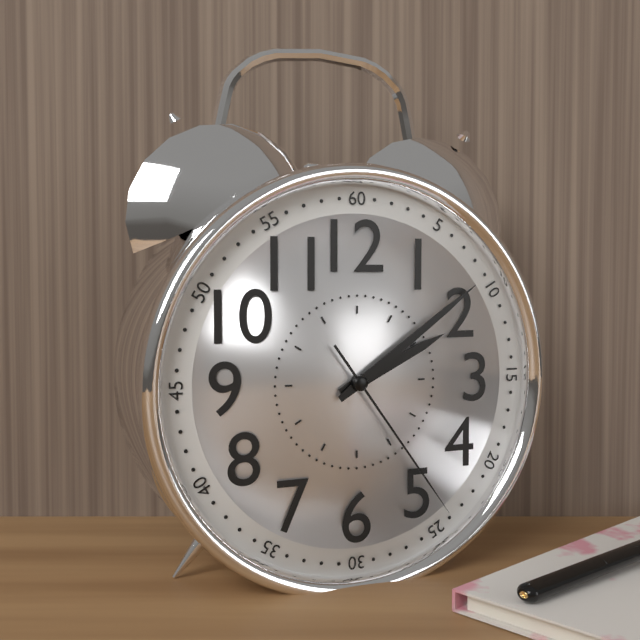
2 h 09 min 24 s
